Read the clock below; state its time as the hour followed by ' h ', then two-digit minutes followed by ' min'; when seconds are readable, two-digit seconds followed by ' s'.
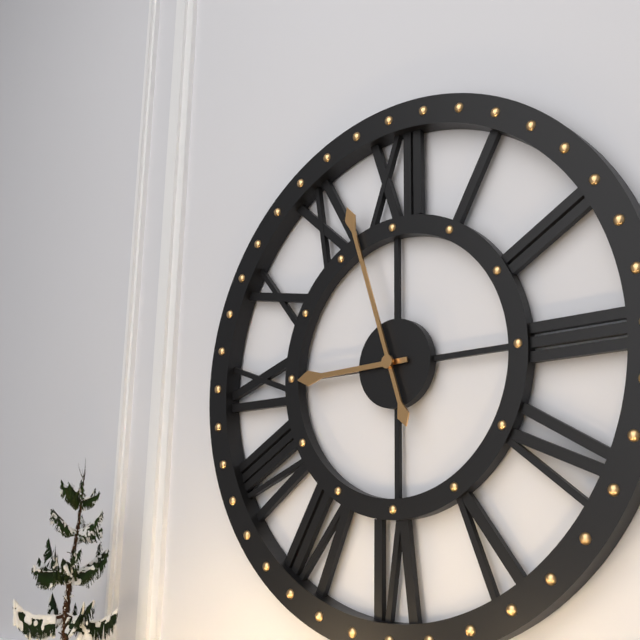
8 h 57 min
